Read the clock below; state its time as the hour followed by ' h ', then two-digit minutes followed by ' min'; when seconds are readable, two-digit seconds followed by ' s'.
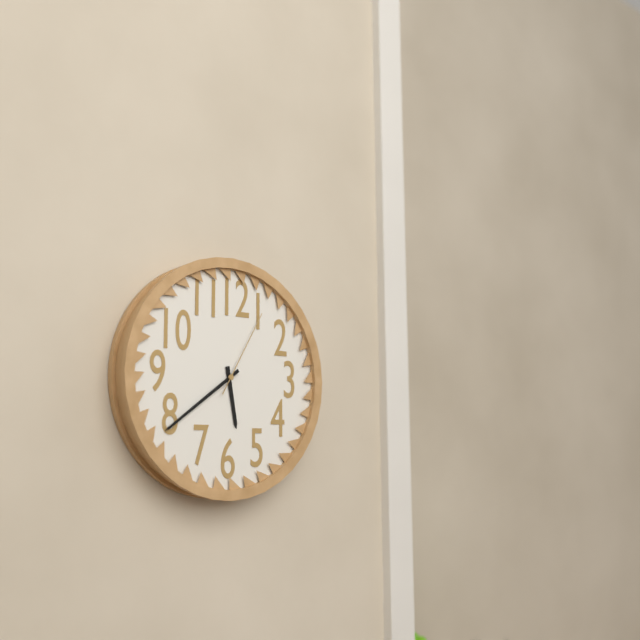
5 h 39 min 05 s
